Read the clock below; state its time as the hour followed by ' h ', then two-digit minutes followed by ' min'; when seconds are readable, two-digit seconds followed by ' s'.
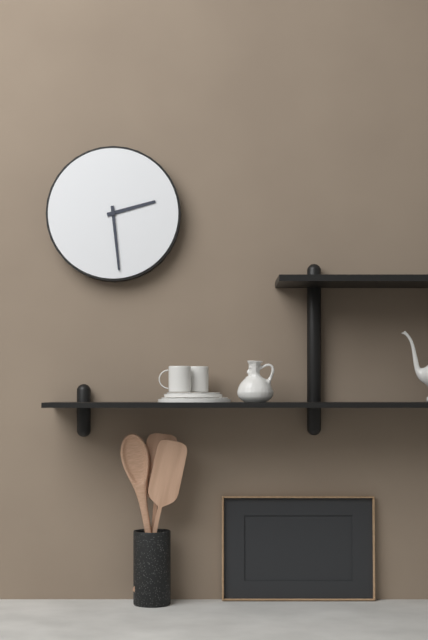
2 h 29 min
